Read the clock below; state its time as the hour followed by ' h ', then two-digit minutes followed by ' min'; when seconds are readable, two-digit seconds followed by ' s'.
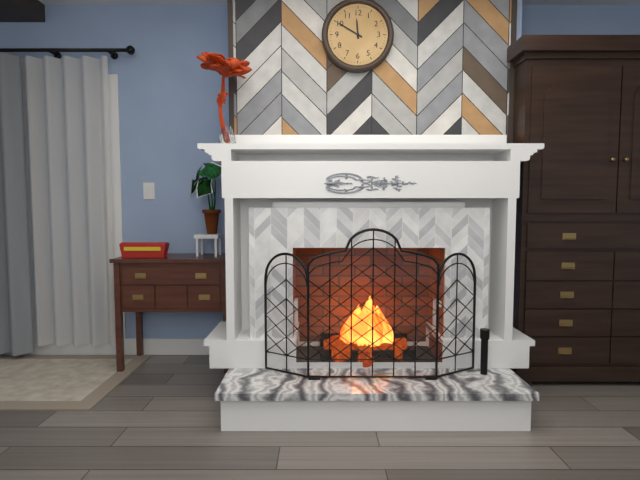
11 h 50 min
